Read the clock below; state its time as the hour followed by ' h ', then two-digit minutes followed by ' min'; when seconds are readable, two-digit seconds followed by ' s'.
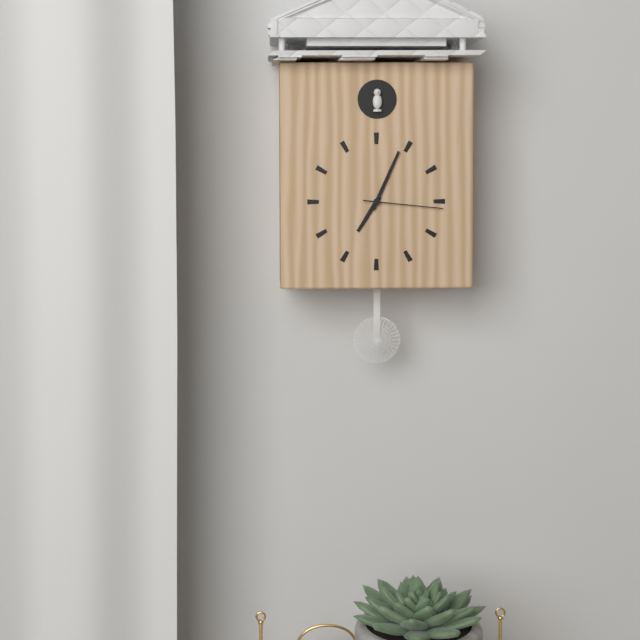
7 h 04 min 16 s
